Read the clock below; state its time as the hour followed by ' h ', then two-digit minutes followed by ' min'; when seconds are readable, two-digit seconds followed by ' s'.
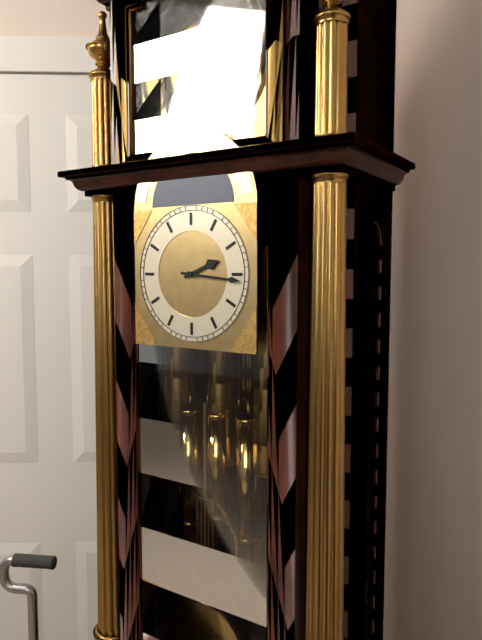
2 h 16 min
